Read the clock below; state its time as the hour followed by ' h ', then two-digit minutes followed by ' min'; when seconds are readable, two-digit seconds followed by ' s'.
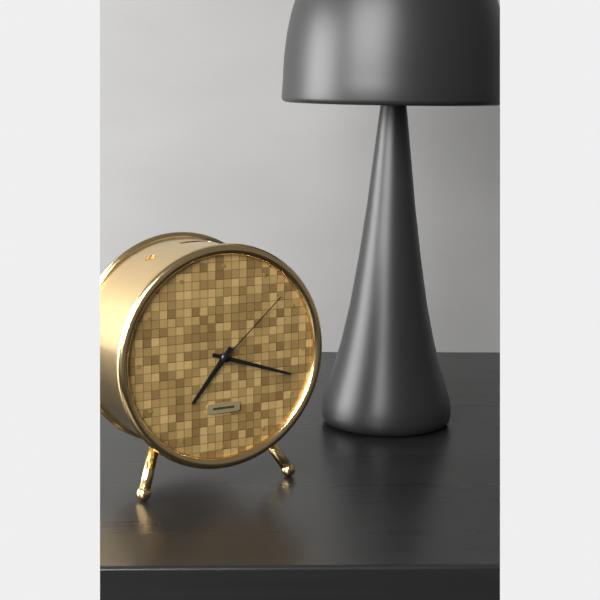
7 h 18 min 08 s
